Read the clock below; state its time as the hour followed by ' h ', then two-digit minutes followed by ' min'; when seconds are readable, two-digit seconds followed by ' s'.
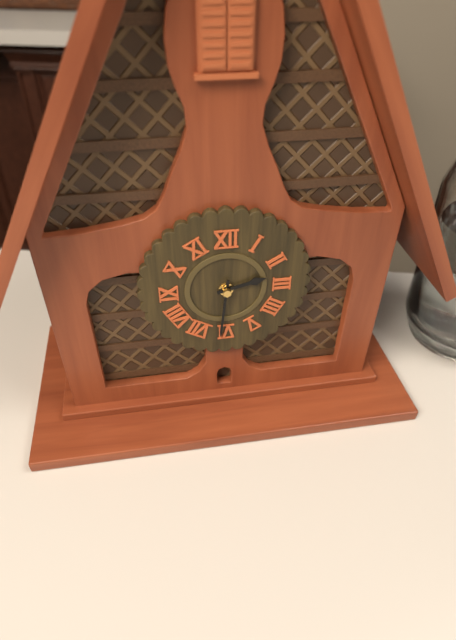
2 h 31 min
